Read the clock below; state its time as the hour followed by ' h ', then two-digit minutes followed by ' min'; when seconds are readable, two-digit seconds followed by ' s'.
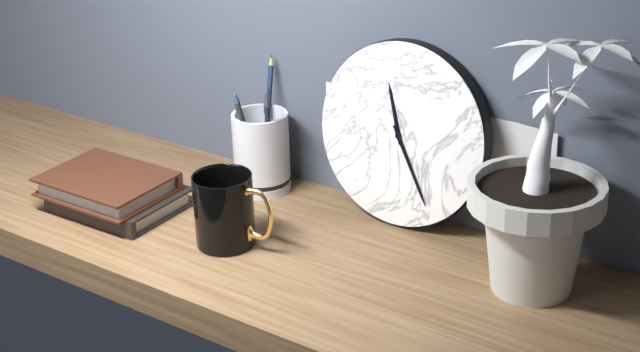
11 h 25 min
